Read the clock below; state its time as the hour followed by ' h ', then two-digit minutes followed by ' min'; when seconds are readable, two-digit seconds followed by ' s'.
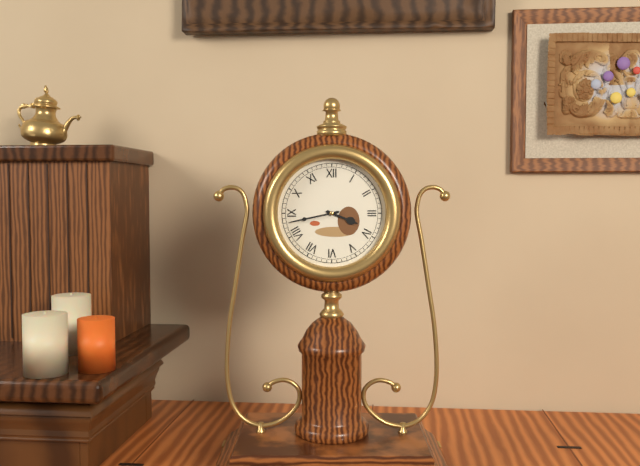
3 h 43 min
